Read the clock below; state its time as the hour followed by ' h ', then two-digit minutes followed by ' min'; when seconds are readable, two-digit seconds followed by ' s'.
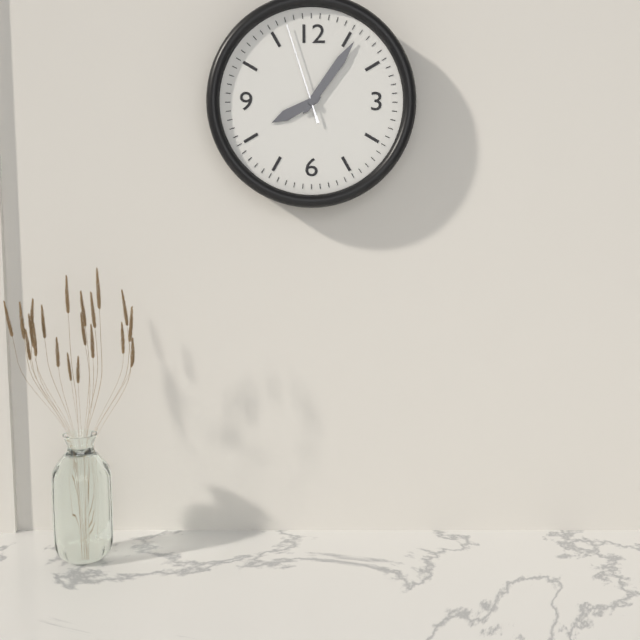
8 h 06 min 57 s
